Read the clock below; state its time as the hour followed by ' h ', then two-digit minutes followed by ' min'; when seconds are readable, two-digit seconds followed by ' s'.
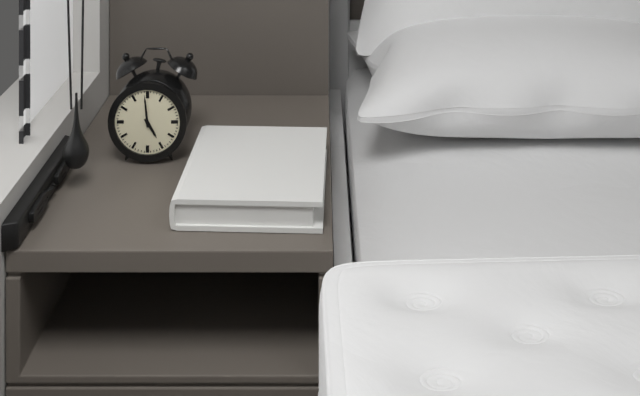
4 h 59 min
